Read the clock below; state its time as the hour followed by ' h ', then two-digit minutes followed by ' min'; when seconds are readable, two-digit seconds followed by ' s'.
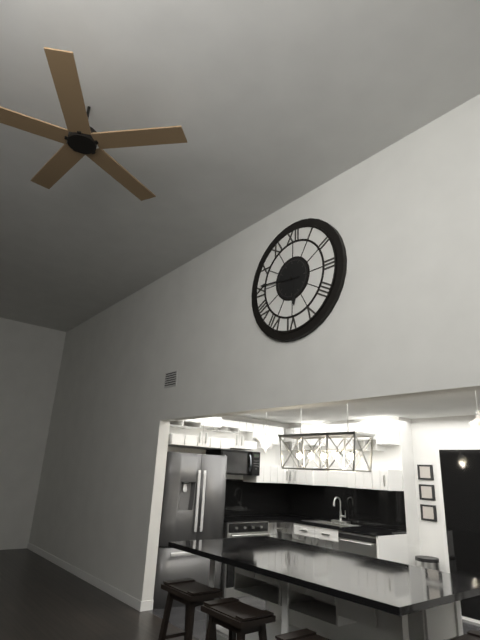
5 h 46 min
